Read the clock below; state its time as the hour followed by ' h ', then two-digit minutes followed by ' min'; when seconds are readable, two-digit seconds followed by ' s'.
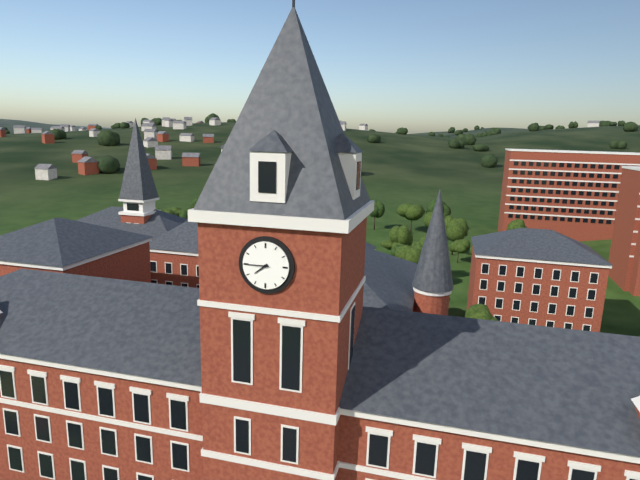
7 h 45 min
